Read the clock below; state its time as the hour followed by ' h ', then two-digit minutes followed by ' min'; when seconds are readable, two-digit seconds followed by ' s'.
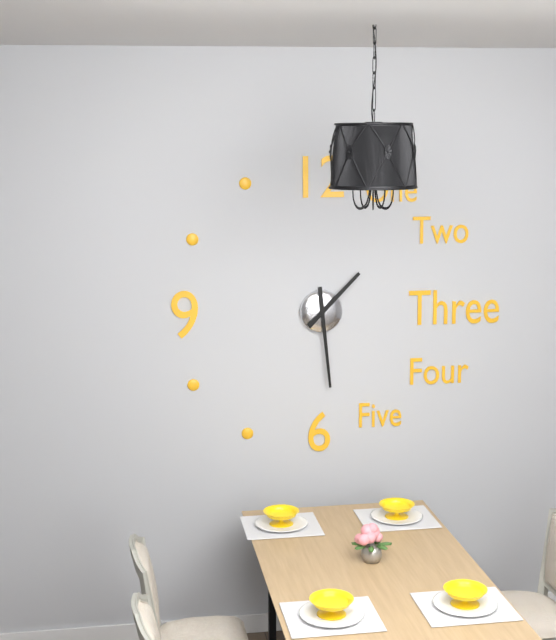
1 h 29 min
